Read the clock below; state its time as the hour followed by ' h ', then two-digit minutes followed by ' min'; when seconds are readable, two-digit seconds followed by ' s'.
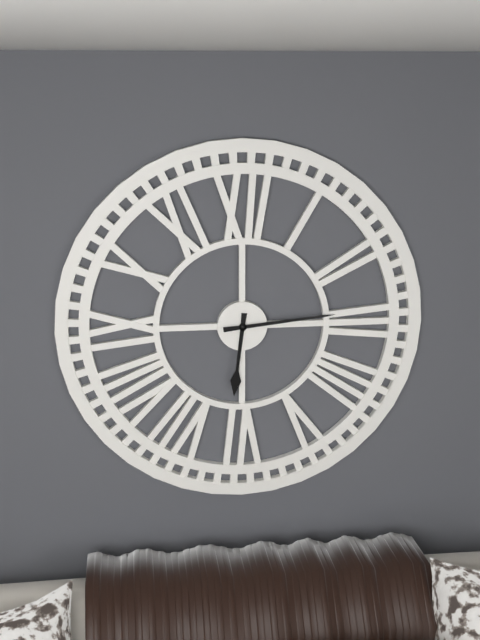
6 h 14 min
